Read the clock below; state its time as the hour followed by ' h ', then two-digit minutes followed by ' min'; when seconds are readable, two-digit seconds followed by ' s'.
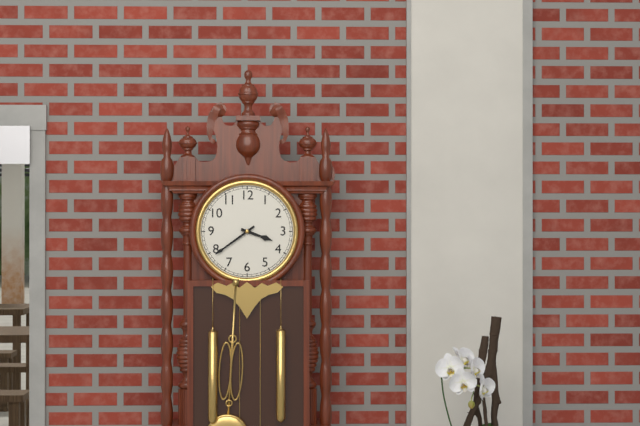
3 h 39 min
